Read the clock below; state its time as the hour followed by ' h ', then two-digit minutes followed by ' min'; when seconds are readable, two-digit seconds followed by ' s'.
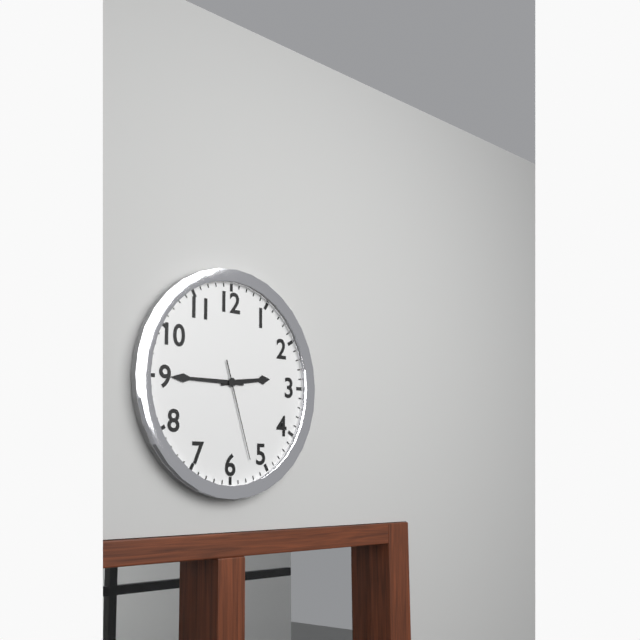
2 h 45 min 27 s
